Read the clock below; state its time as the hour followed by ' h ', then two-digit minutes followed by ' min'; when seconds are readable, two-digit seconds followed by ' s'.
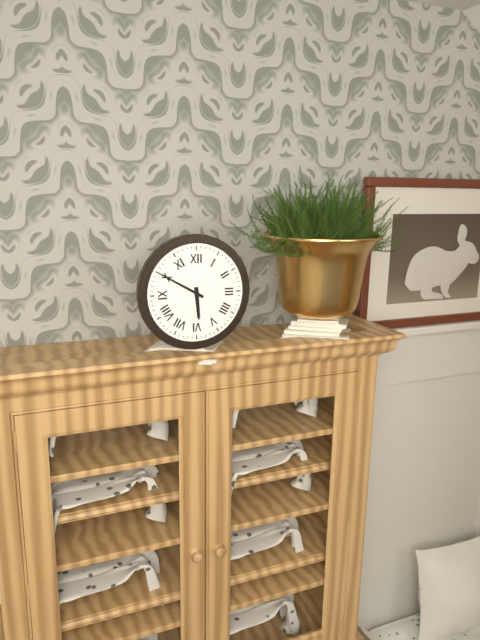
5 h 50 min
